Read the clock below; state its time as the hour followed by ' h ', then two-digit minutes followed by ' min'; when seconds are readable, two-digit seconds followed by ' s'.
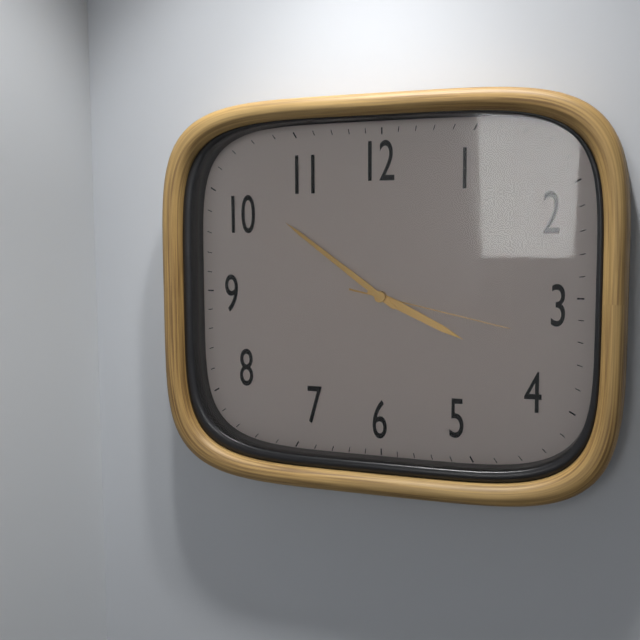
3 h 51 min 17 s
